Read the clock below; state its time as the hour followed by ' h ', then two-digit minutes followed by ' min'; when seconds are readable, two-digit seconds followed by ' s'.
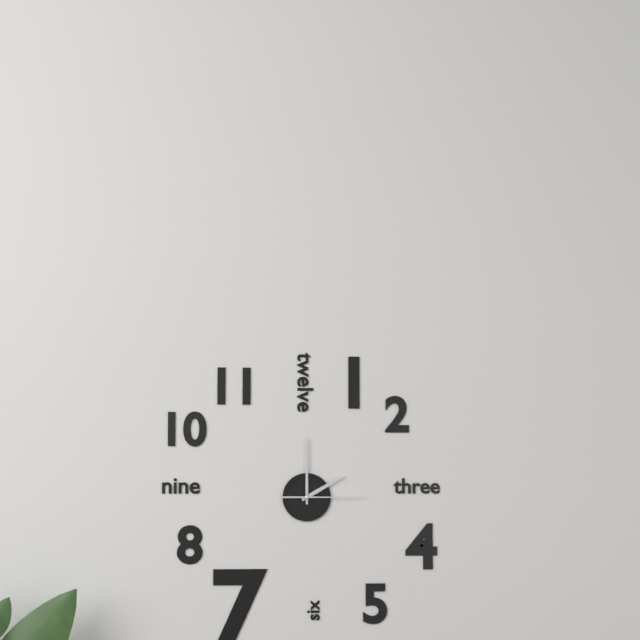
2 h 00 min 15 s
